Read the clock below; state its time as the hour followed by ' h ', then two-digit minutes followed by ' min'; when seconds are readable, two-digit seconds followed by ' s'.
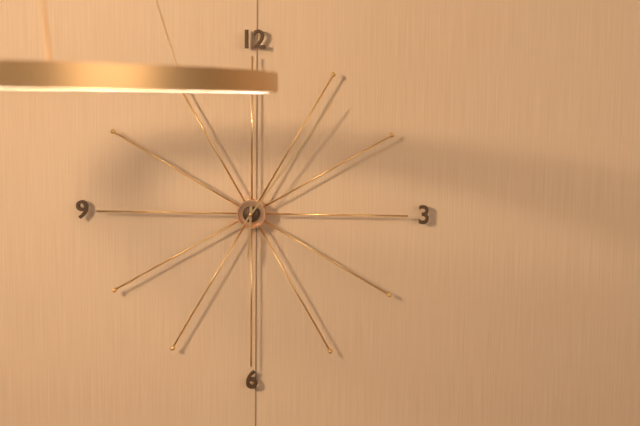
6 h 06 min
